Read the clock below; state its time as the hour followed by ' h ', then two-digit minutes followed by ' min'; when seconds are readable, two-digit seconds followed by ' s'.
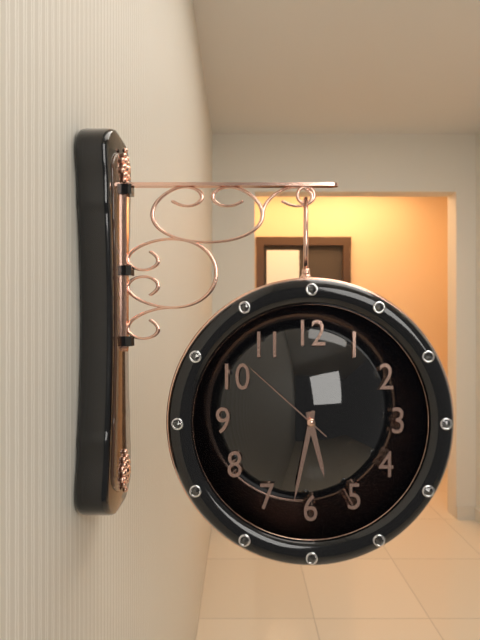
5 h 32 min 52 s
